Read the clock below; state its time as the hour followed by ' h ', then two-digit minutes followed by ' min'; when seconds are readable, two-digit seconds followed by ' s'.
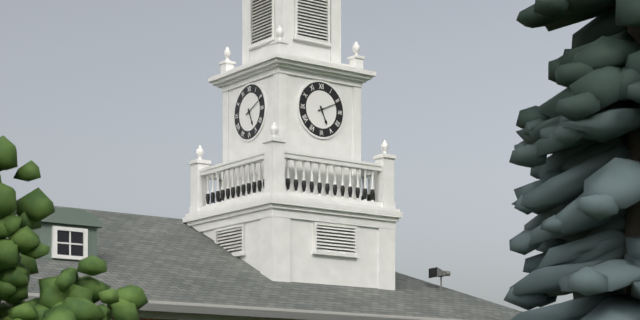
5 h 11 min
